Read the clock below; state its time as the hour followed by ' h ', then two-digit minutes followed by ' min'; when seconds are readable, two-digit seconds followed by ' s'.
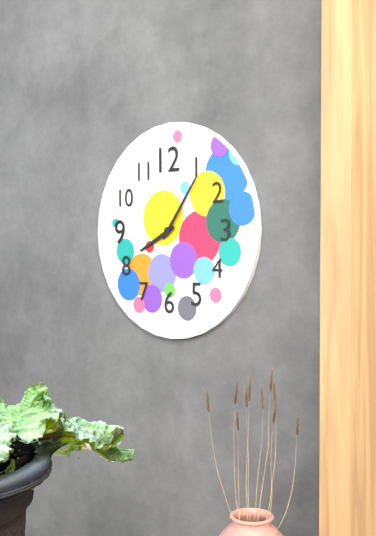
8 h 06 min
